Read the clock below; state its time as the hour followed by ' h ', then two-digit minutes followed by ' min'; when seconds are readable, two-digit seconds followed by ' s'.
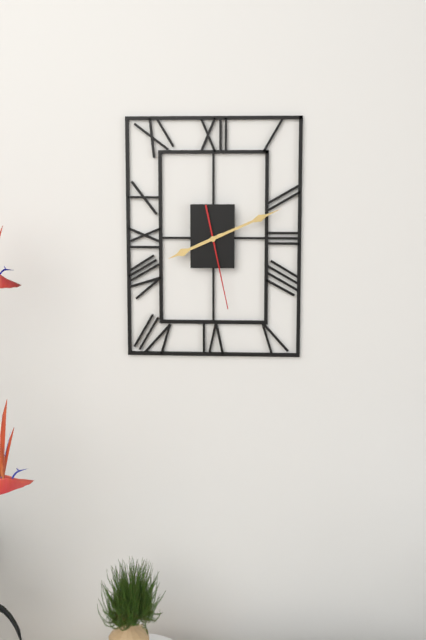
8 h 11 min 28 s
